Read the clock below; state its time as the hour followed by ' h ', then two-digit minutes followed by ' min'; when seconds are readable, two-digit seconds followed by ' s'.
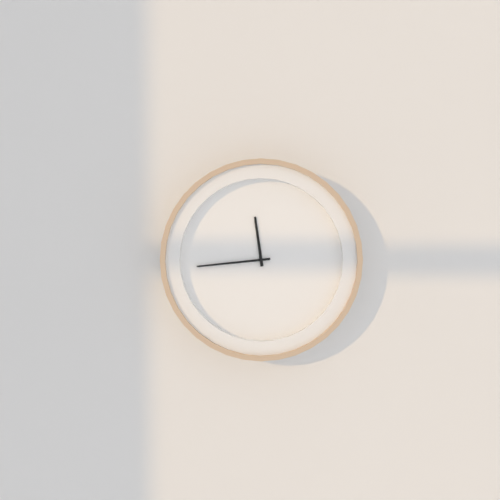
11 h 44 min
